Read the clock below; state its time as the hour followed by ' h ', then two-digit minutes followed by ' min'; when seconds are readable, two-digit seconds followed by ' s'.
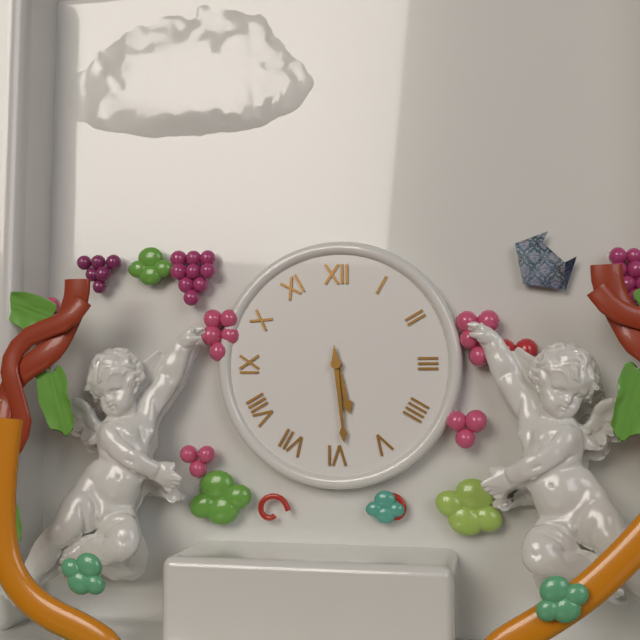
5 h 29 min
